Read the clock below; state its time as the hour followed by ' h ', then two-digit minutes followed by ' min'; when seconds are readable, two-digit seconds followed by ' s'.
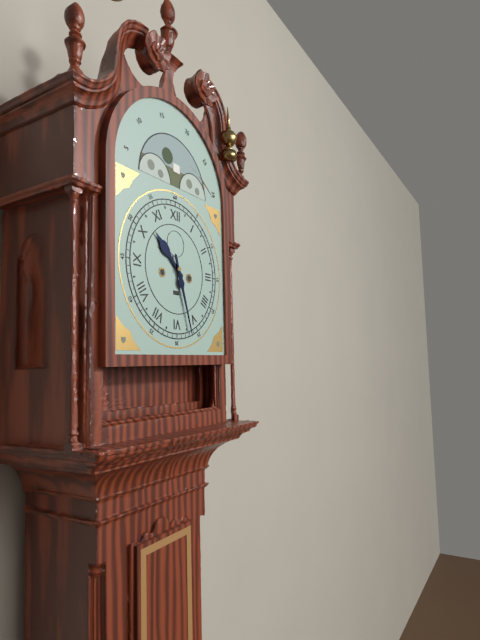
10 h 27 min
